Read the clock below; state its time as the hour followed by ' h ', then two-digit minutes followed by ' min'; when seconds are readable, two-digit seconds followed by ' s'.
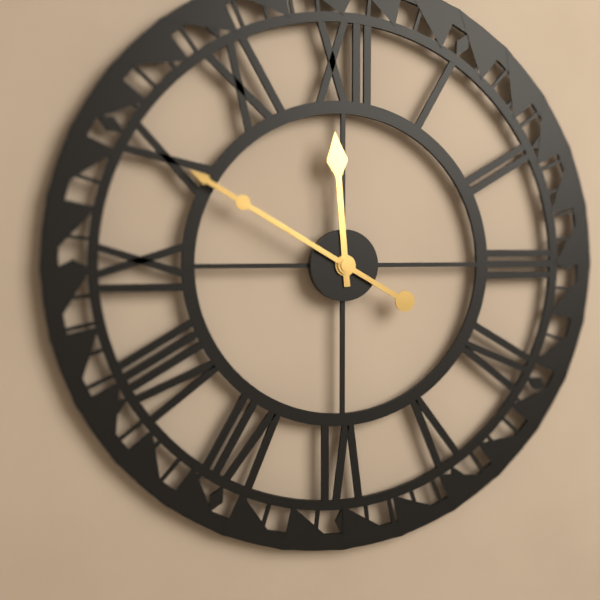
11 h 50 min
